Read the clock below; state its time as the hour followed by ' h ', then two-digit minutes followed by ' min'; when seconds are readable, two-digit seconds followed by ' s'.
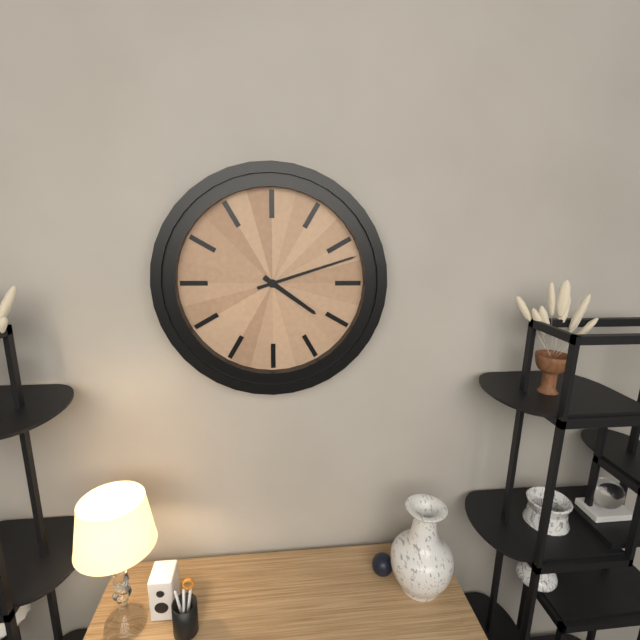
4 h 12 min
